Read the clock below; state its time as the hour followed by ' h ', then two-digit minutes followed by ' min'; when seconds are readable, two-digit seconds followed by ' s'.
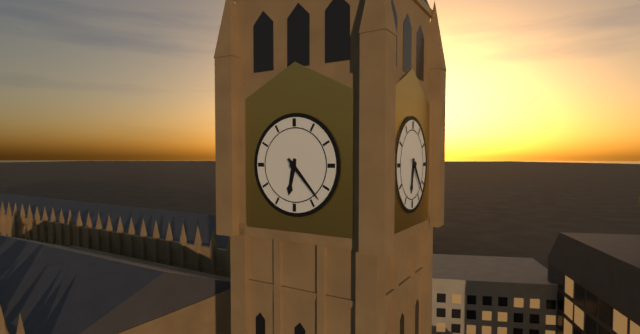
6 h 23 min
